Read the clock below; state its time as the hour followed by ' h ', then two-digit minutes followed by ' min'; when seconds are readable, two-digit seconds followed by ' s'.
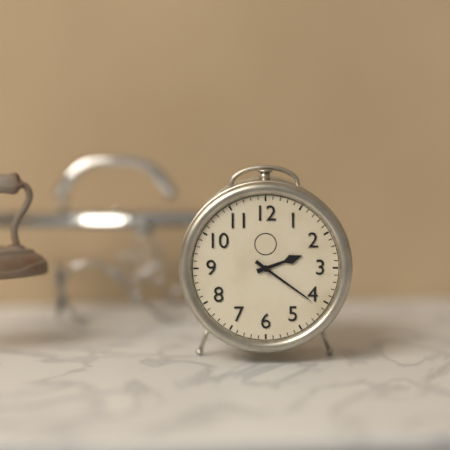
2 h 21 min
